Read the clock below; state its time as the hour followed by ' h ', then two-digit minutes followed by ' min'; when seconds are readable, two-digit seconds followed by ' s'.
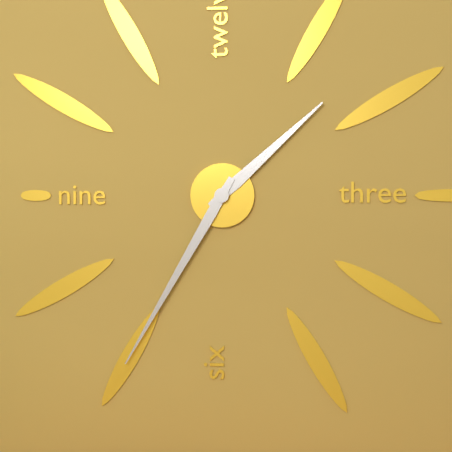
1 h 35 min
